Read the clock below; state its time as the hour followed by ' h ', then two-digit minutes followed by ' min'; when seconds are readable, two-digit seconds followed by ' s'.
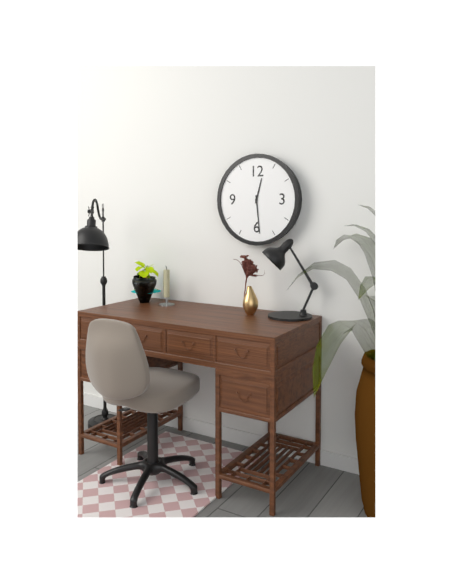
12 h 29 min
